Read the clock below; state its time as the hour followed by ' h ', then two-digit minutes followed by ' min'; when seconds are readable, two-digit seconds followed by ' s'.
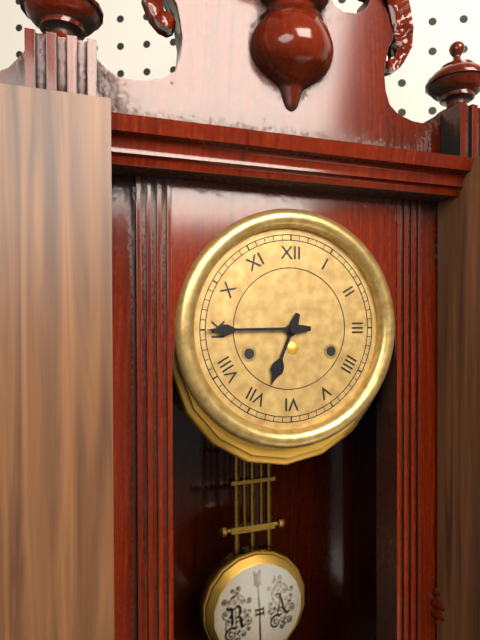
6 h 45 min
